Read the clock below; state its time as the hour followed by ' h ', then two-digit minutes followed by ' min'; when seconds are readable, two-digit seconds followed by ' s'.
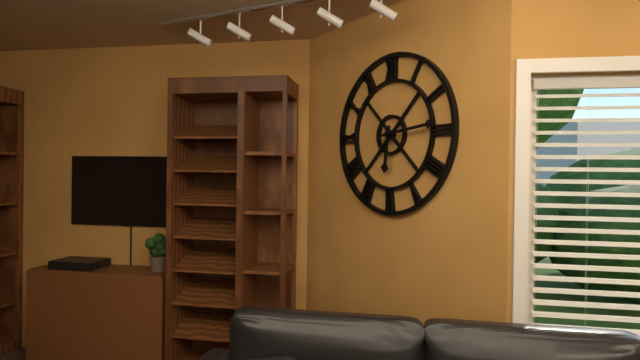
6 h 14 min
